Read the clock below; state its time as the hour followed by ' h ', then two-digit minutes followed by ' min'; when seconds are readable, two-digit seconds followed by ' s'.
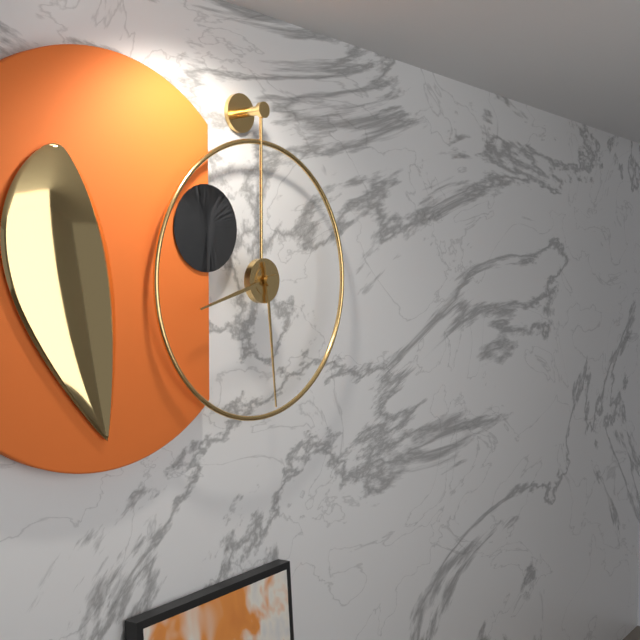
8 h 29 min
